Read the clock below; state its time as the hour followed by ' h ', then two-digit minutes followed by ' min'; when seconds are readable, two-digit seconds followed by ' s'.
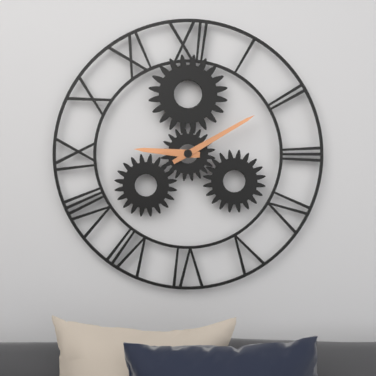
9 h 10 min
